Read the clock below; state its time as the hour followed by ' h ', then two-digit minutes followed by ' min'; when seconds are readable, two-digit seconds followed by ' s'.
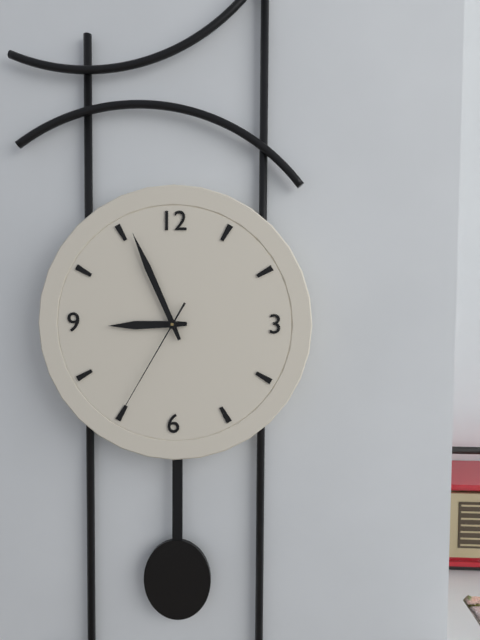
8 h 56 min 35 s
